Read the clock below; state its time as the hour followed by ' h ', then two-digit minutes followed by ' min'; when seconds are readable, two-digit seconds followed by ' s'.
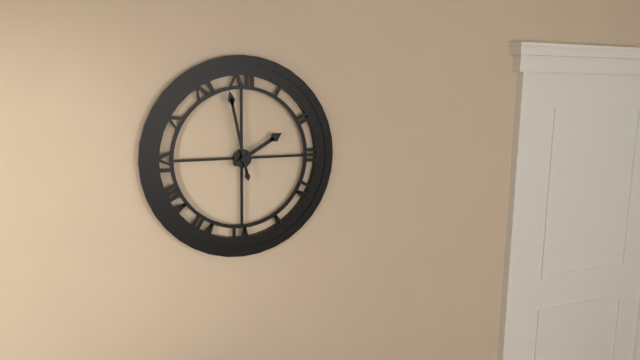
1 h 58 min
